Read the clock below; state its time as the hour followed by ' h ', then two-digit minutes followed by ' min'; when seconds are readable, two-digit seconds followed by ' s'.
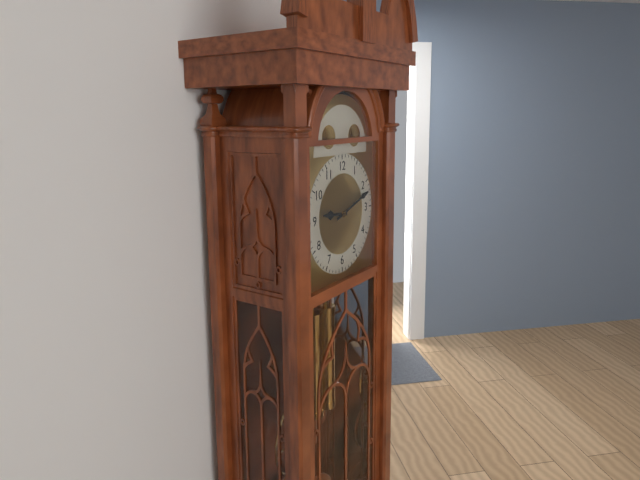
9 h 12 min
